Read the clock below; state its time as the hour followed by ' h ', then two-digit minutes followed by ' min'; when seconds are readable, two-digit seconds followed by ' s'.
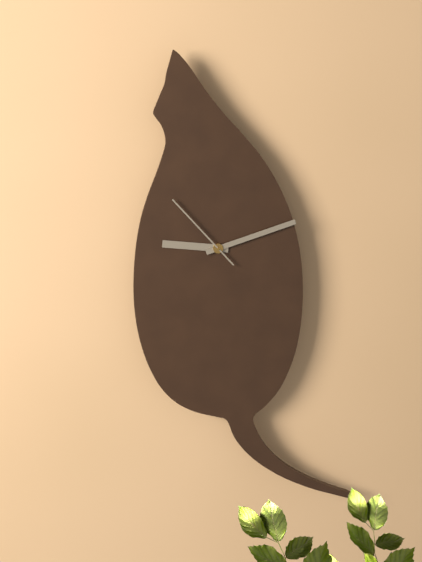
9 h 12 min 53 s
